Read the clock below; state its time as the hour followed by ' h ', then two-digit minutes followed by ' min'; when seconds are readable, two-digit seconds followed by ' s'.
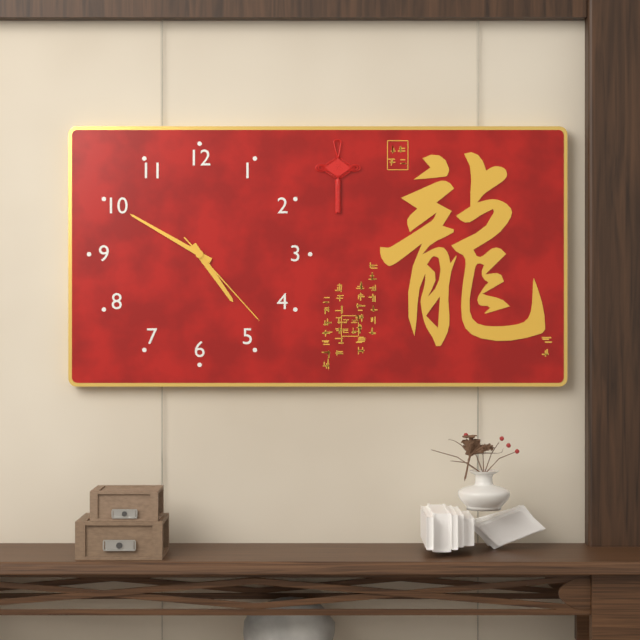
4 h 50 min 23 s
